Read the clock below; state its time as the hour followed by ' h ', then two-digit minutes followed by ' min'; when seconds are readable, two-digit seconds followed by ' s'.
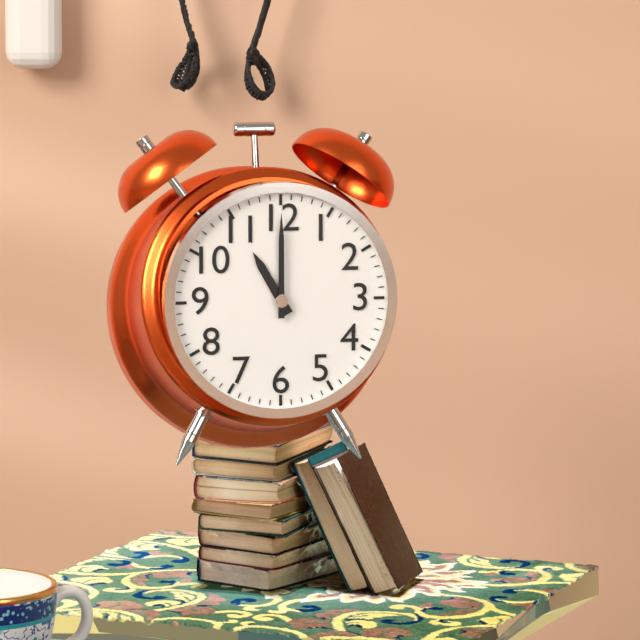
11 h 00 min
